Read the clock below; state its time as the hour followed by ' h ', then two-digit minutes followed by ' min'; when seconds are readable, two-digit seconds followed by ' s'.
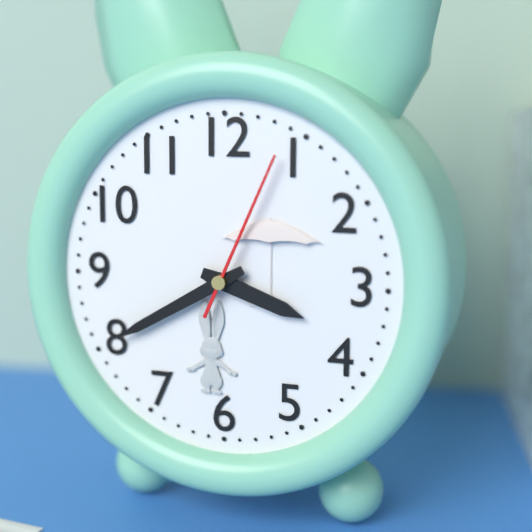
3 h 40 min 04 s
